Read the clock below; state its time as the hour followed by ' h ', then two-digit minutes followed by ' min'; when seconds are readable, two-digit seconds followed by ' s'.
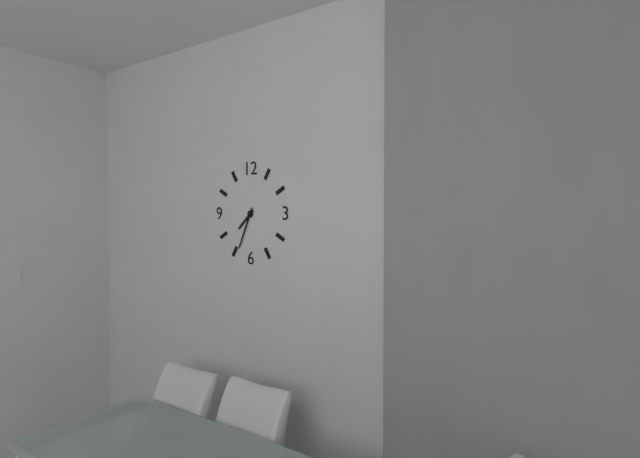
7 h 34 min
